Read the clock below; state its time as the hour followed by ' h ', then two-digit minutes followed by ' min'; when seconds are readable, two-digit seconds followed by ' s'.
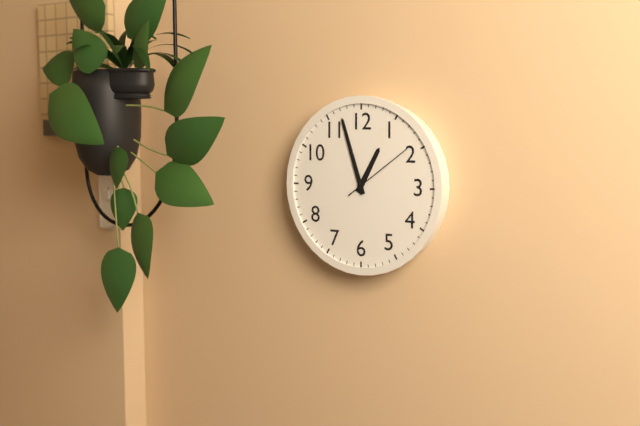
12 h 57 min 09 s
